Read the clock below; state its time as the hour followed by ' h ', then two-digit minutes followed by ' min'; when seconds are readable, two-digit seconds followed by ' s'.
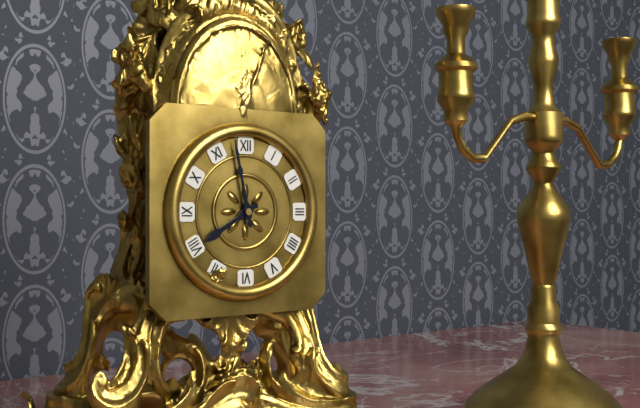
7 h 58 min
